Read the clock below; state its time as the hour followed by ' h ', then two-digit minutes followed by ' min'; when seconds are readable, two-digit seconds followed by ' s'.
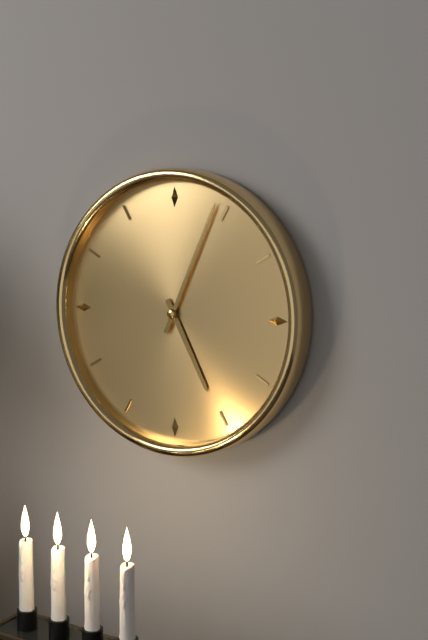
5 h 04 min
